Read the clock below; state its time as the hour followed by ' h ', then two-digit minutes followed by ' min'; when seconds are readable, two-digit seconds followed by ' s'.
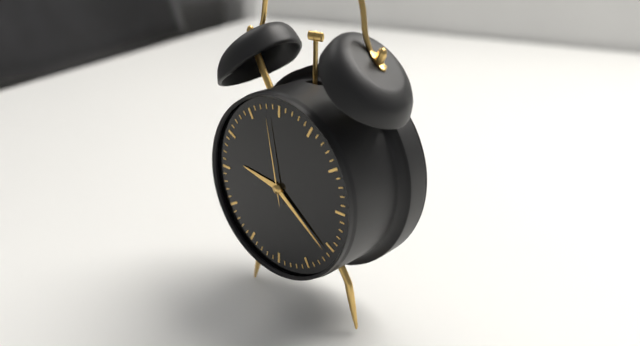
9 h 21 min 58 s
